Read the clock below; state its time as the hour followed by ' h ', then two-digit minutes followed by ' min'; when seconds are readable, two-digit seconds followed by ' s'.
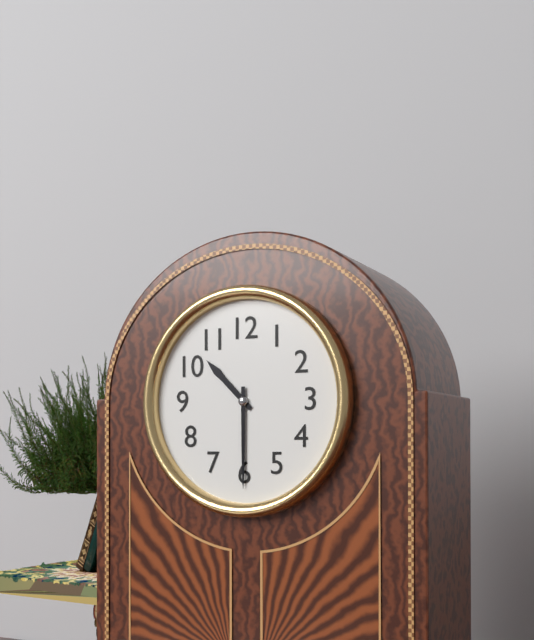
10 h 30 min
